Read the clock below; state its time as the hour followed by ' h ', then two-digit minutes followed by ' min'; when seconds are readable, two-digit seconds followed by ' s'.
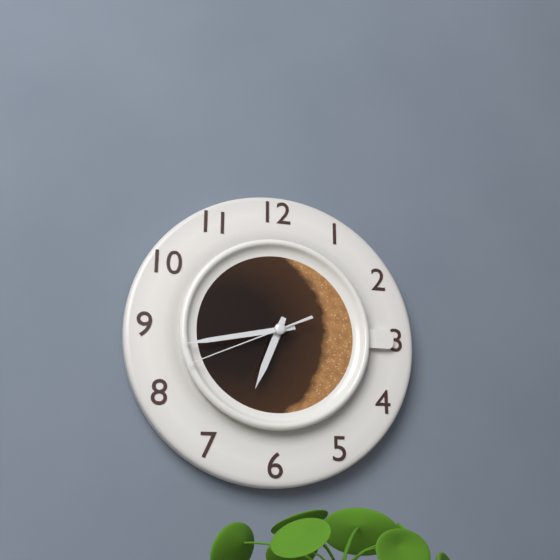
6 h 43 min 41 s
